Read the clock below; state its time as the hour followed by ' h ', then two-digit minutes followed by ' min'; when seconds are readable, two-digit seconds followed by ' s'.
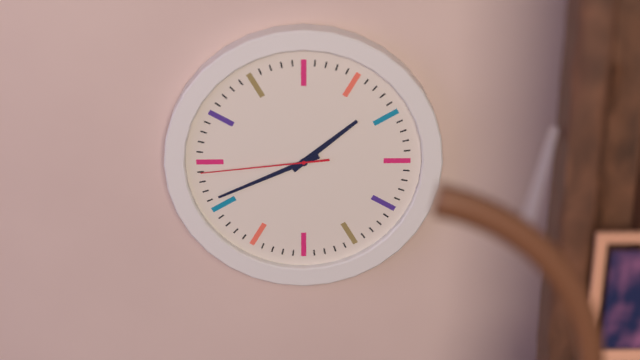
1 h 41 min 44 s
